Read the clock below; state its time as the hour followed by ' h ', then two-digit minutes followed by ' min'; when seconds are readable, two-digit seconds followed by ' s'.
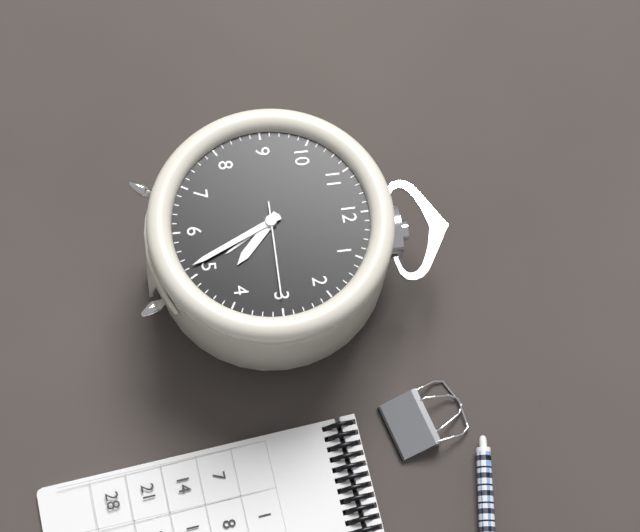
4 h 26 min 15 s
